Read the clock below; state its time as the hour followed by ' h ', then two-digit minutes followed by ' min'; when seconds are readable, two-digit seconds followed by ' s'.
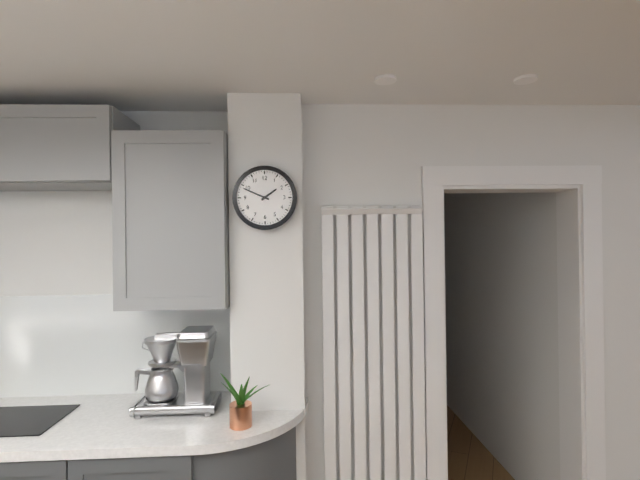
1 h 49 min
